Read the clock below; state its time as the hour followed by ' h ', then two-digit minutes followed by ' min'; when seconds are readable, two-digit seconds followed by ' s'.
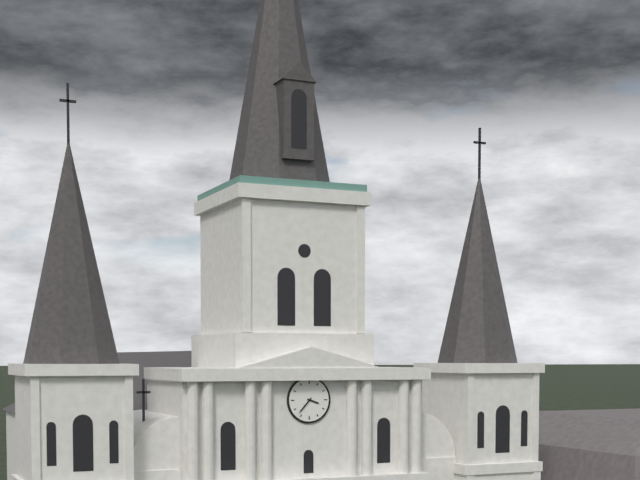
3 h 37 min
